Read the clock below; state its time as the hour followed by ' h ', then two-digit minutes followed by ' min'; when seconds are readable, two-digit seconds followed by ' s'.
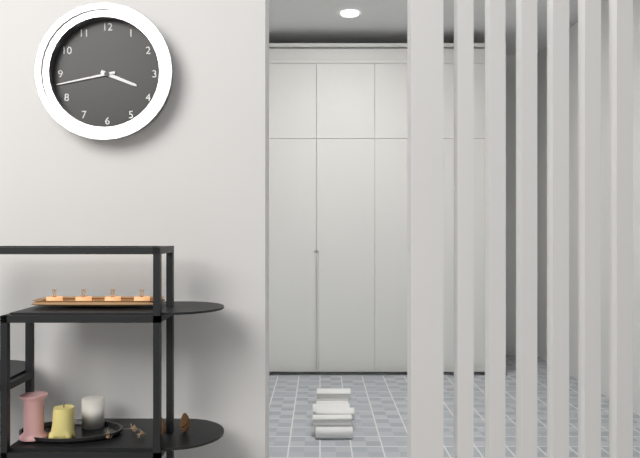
3 h 43 min
